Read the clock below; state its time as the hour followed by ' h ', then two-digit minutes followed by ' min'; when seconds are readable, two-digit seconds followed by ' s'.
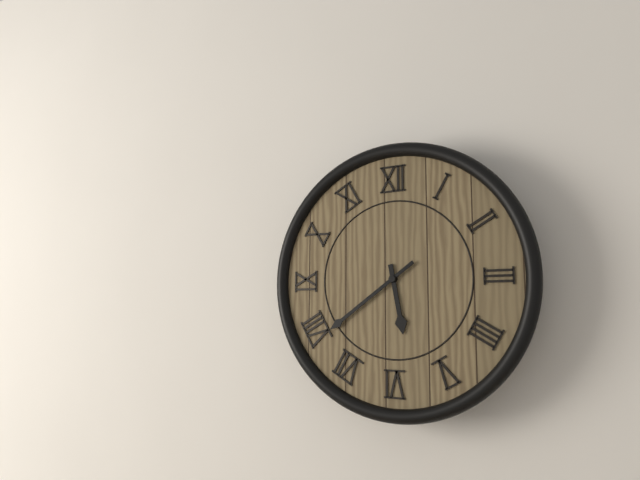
5 h 39 min
